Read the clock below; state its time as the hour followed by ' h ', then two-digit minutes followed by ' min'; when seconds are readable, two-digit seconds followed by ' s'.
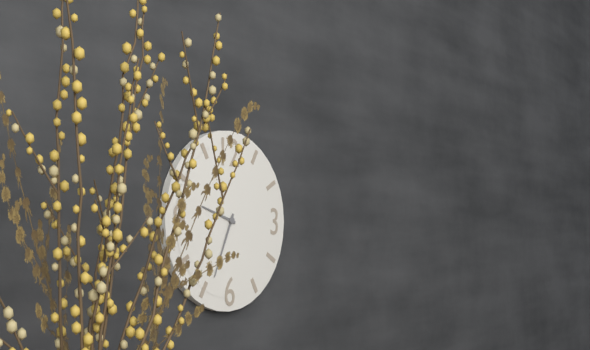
9 h 34 min
